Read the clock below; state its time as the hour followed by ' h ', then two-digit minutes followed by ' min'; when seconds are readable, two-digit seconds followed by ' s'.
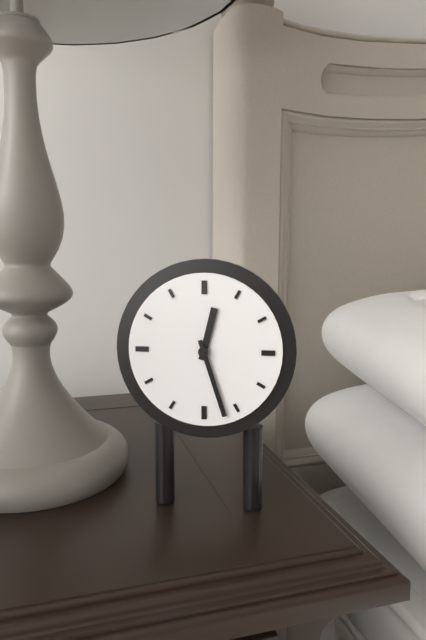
12 h 27 min
